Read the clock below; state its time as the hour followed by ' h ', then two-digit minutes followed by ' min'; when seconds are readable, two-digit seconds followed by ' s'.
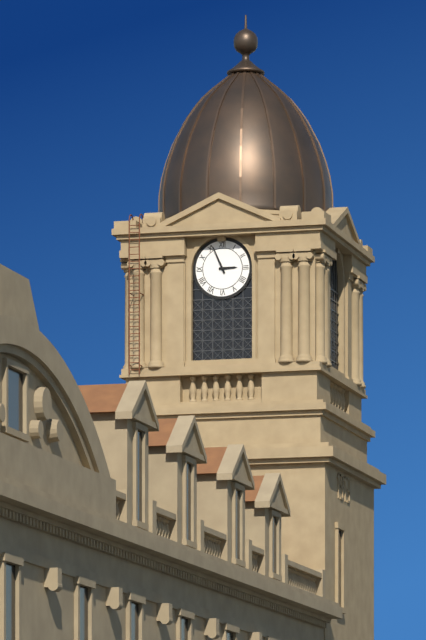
2 h 56 min
